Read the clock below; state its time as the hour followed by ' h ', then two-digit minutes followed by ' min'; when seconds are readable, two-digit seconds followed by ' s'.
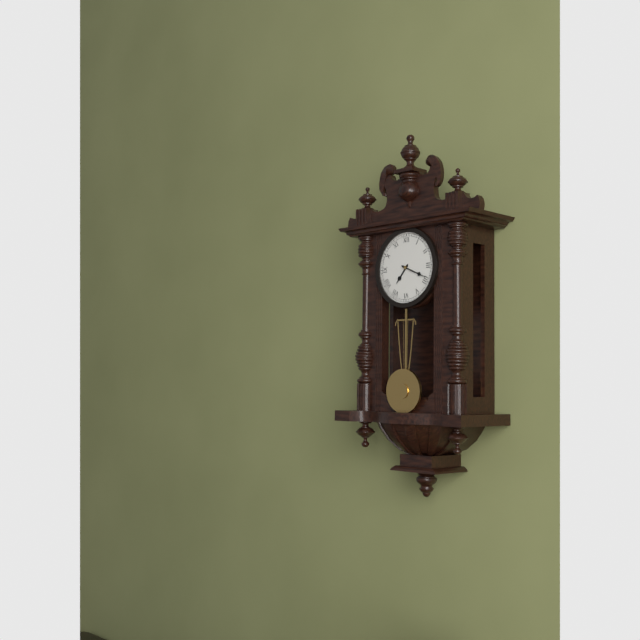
7 h 19 min
